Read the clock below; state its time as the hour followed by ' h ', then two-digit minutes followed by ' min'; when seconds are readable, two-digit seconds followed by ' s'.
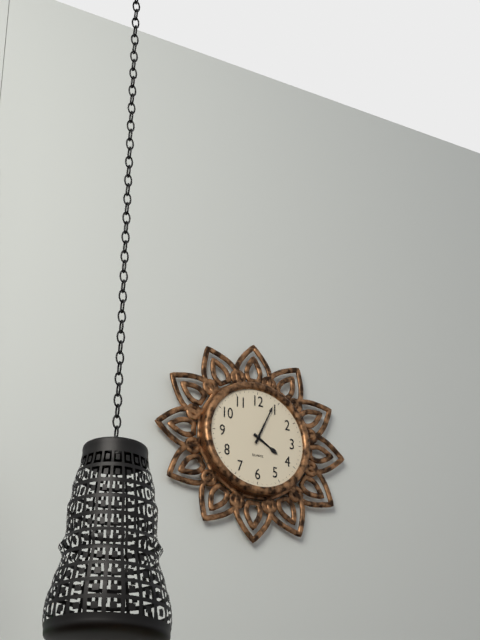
4 h 04 min
